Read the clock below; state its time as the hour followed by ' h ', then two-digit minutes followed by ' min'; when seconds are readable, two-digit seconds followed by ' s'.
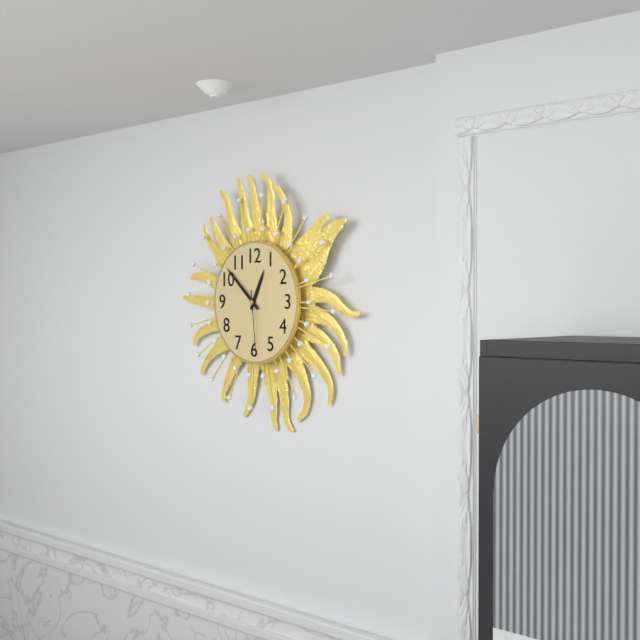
12 h 52 min 29 s
